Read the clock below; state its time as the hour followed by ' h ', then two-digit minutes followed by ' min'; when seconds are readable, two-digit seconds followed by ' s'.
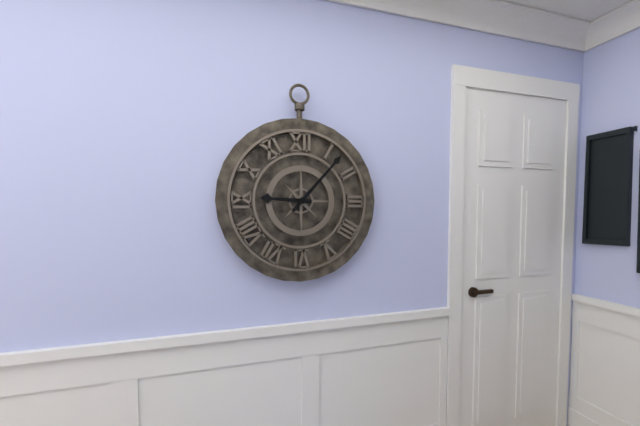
9 h 07 min
